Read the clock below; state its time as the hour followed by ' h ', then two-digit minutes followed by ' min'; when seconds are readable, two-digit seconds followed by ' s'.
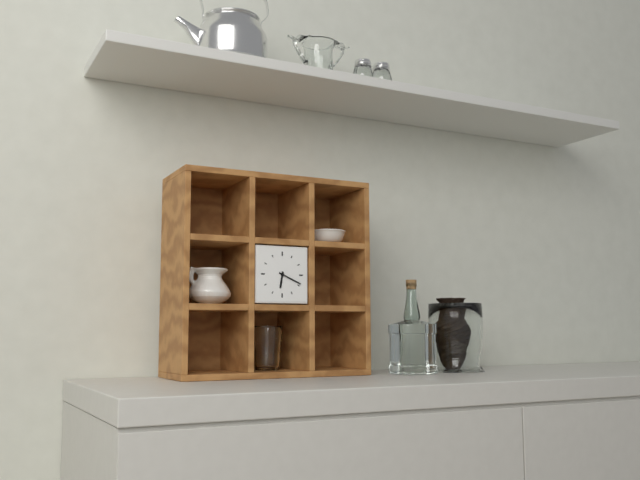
6 h 19 min
